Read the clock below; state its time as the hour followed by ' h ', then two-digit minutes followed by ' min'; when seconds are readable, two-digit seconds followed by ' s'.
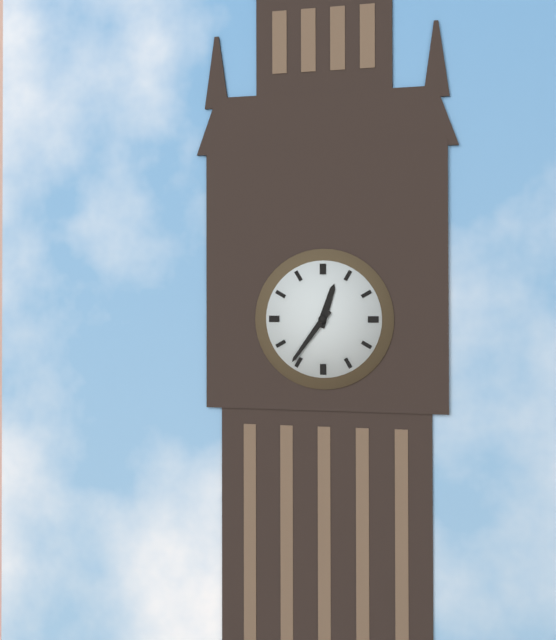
12 h 36 min
